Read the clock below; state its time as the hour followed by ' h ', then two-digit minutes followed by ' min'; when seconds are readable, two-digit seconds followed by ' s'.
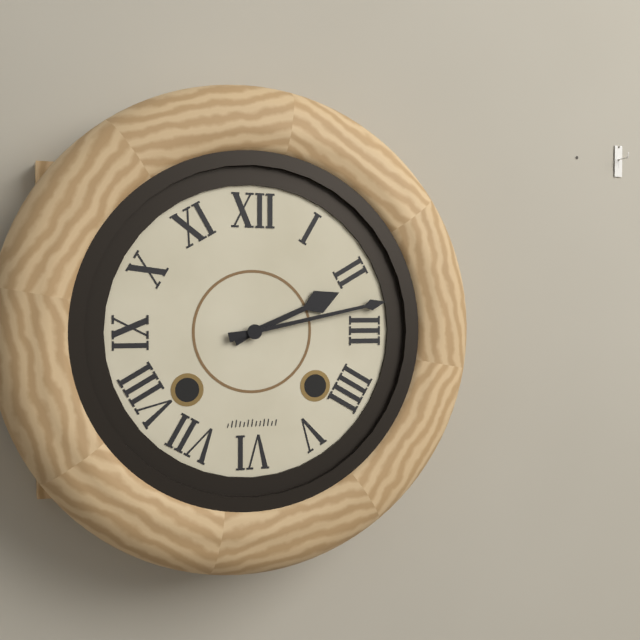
2 h 13 min
